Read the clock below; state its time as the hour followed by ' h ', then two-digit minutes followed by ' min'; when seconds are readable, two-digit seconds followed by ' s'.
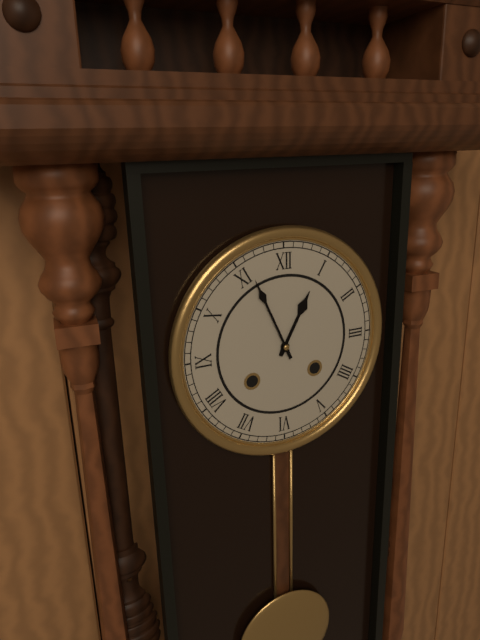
12 h 56 min
